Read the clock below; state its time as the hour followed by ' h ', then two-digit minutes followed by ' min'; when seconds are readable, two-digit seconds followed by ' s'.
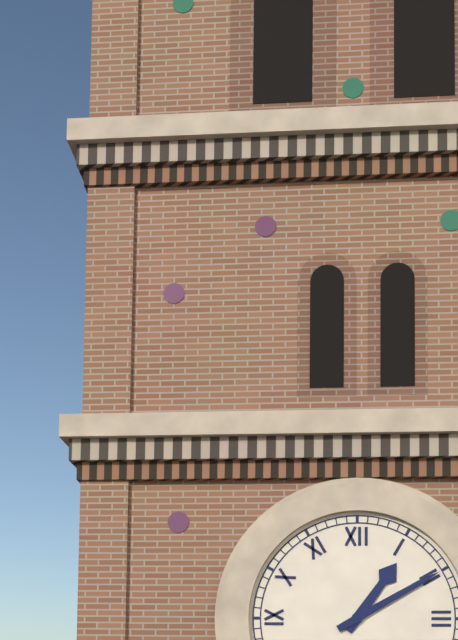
1 h 10 min
